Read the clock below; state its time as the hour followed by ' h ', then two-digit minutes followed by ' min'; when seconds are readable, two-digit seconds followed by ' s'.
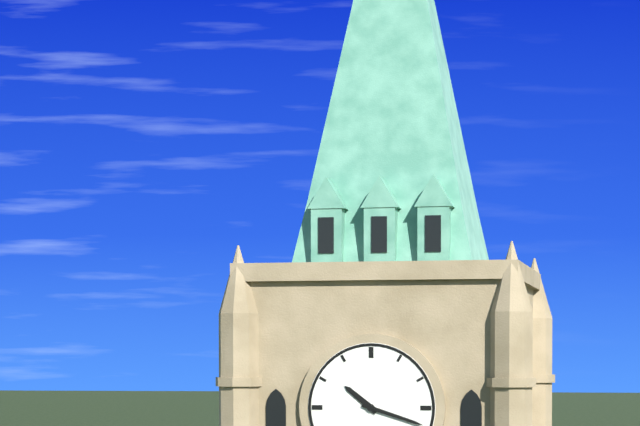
10 h 18 min
